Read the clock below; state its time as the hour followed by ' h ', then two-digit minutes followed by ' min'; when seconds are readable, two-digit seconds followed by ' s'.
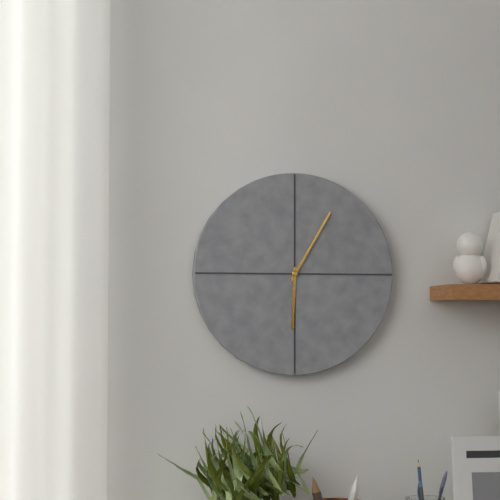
6 h 05 min
